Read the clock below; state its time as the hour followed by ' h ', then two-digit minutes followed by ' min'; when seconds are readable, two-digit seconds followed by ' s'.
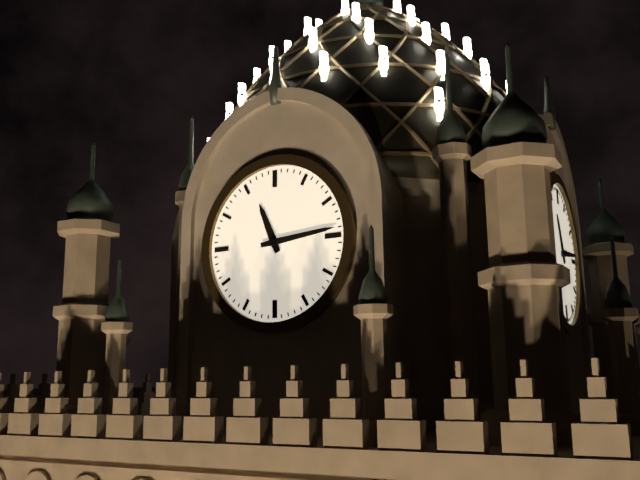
11 h 14 min
